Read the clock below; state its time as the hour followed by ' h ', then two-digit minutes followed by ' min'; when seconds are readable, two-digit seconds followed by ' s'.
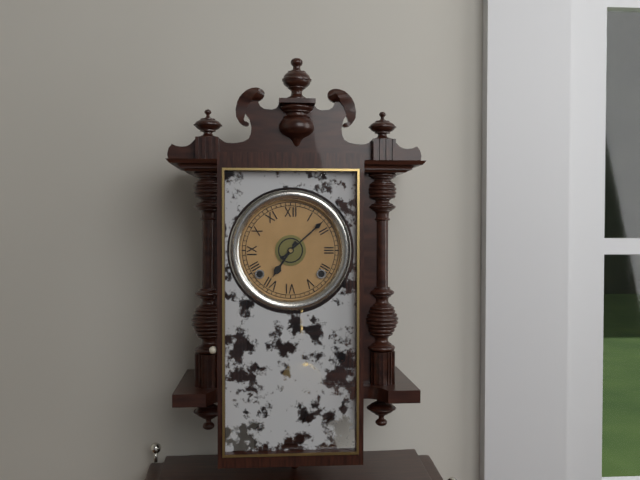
7 h 08 min
